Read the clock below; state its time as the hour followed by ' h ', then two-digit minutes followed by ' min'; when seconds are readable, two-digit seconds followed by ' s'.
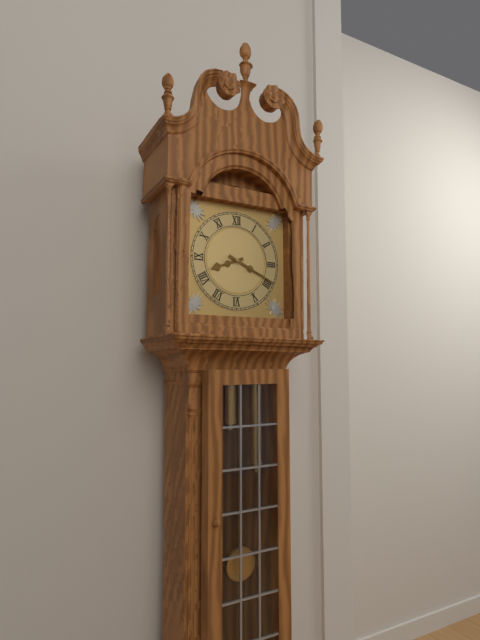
8 h 19 min
